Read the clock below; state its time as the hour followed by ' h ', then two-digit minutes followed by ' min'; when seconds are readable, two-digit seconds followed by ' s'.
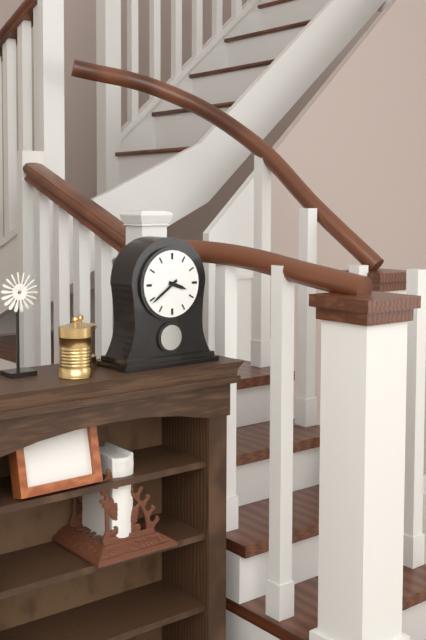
3 h 39 min
